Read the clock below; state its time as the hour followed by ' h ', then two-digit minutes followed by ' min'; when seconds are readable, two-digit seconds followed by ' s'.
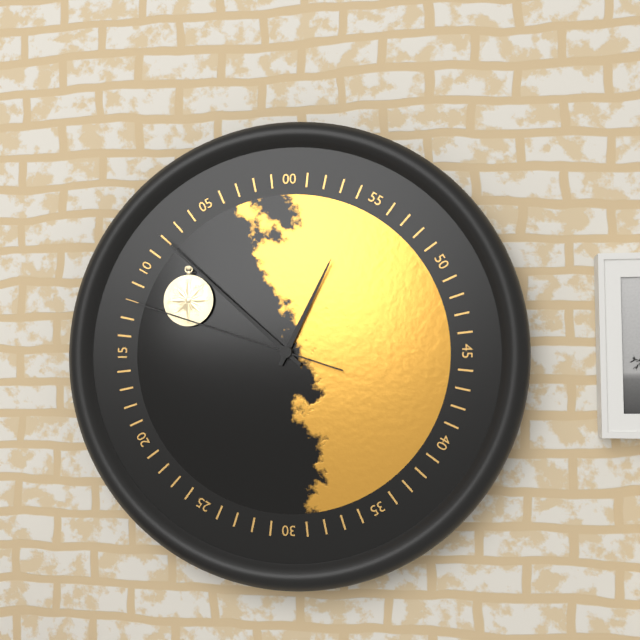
12 h 52 min 48 s
